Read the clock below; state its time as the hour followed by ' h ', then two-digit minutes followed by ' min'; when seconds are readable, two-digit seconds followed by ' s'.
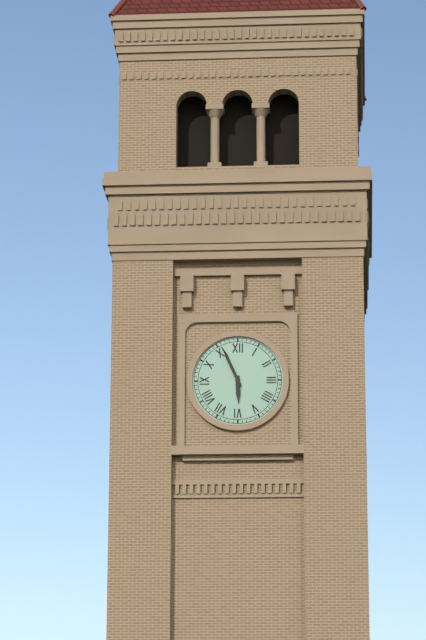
5 h 56 min
